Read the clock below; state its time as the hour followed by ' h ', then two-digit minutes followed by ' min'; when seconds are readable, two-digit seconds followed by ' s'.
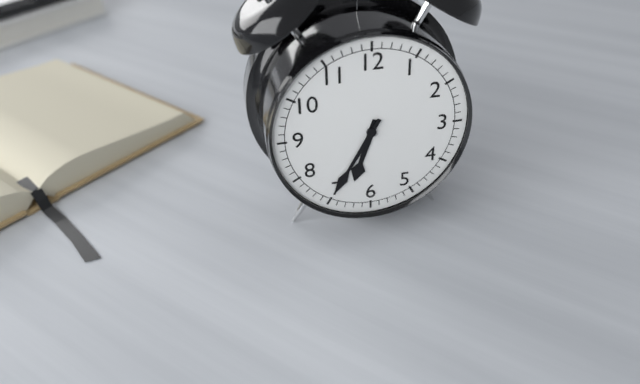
6 h 35 min
